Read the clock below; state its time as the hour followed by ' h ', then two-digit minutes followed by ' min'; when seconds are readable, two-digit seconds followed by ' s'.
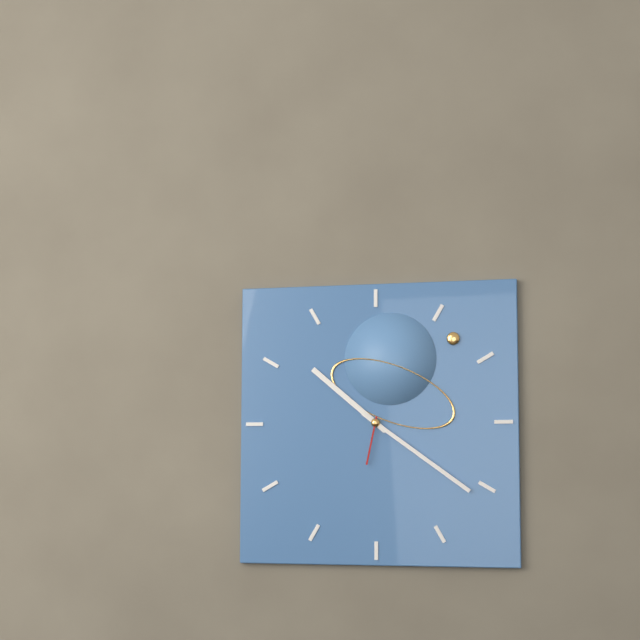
10 h 21 min 32 s
